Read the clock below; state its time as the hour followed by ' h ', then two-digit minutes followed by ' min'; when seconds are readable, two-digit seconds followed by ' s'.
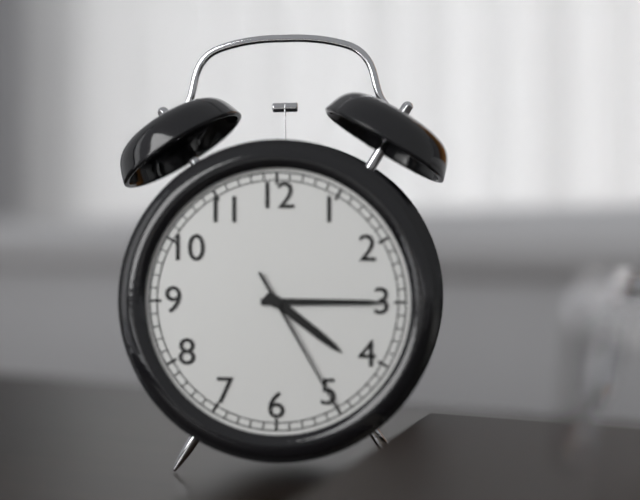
4 h 15 min 25 s
